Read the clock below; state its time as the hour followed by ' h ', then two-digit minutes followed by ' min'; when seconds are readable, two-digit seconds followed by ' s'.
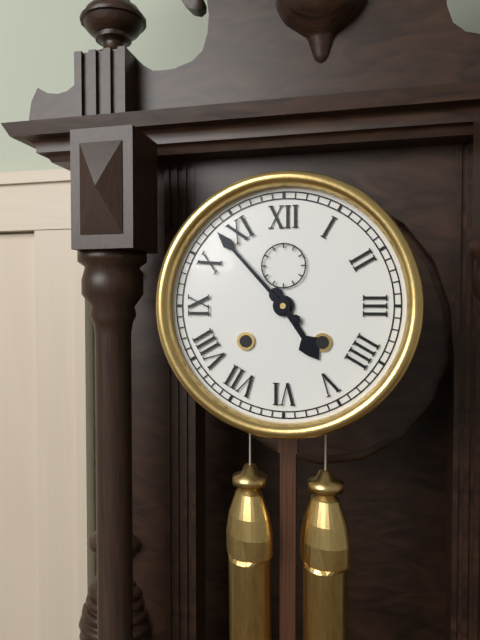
4 h 53 min
